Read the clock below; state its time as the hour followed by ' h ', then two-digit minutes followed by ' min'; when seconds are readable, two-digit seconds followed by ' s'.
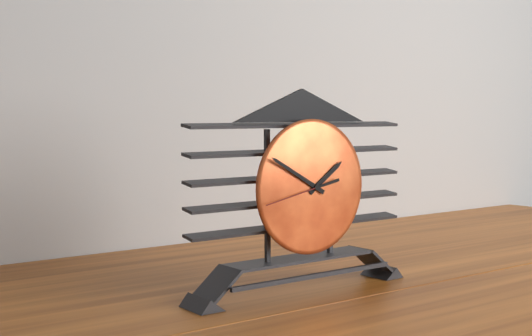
1 h 50 min 43 s
